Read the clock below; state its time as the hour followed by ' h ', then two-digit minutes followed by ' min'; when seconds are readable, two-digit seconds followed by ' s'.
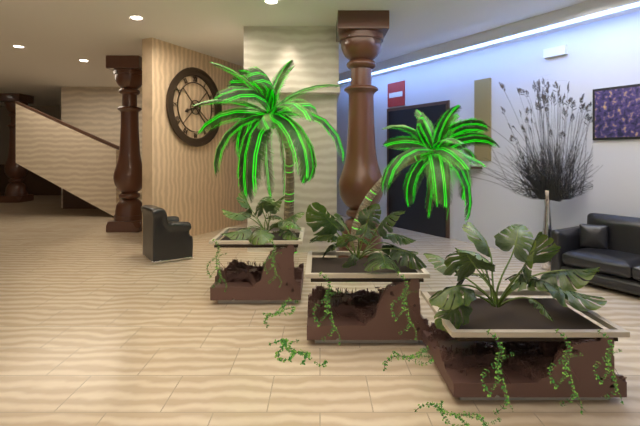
8 h 21 min
